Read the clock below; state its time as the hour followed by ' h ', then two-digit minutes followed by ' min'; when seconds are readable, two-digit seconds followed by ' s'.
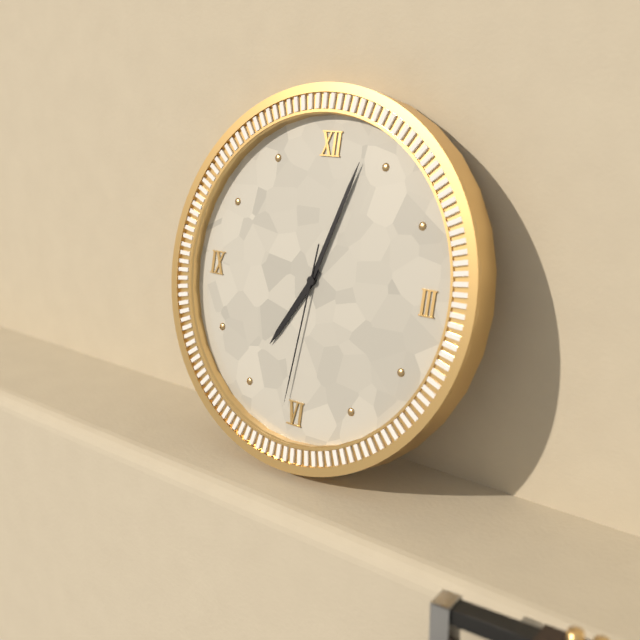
7 h 03 min 31 s
